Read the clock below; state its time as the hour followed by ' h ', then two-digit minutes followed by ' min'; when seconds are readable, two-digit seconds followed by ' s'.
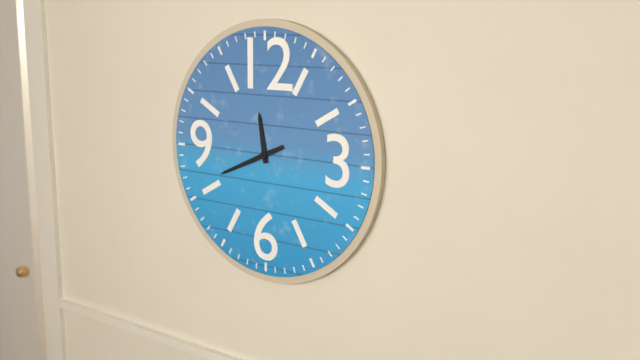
11 h 41 min
